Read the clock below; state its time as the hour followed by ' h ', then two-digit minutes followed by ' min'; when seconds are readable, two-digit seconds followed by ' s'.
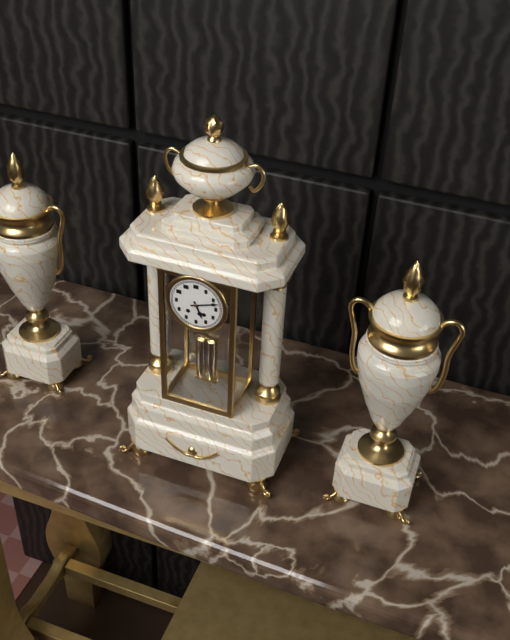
5 h 12 min
